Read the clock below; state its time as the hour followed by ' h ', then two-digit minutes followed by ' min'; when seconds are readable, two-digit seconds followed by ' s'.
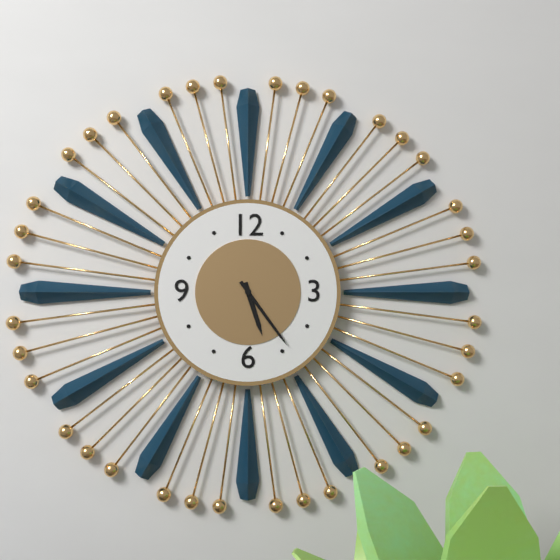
5 h 24 min
